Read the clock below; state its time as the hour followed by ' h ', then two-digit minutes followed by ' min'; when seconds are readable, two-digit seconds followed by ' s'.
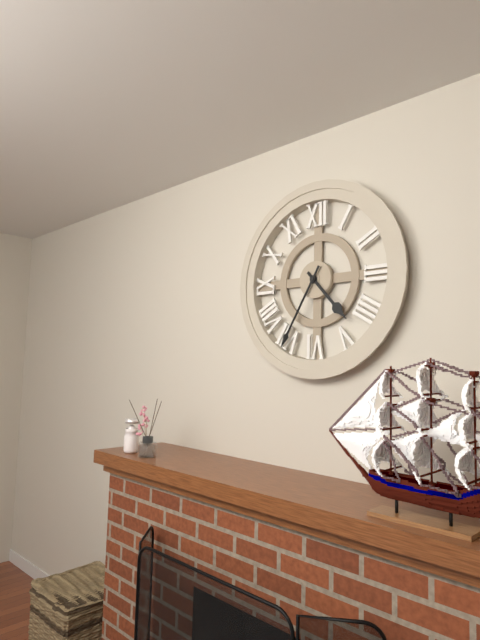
4 h 35 min
